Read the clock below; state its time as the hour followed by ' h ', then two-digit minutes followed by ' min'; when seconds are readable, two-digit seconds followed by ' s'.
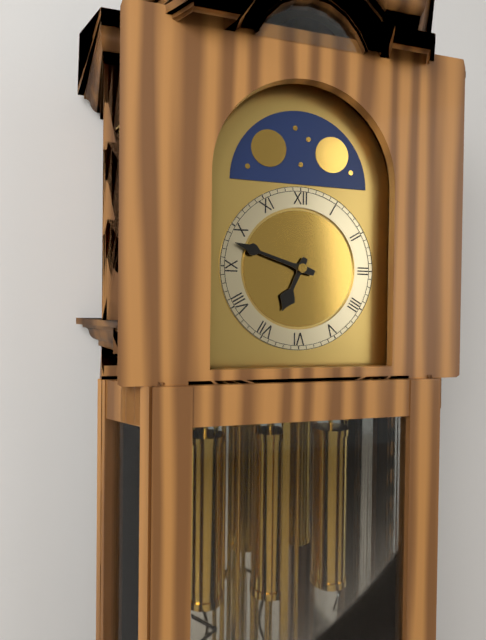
6 h 48 min
